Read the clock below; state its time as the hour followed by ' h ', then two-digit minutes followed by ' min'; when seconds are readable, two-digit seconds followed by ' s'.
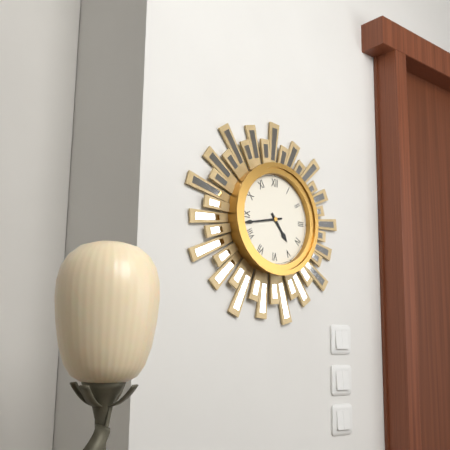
4 h 43 min
